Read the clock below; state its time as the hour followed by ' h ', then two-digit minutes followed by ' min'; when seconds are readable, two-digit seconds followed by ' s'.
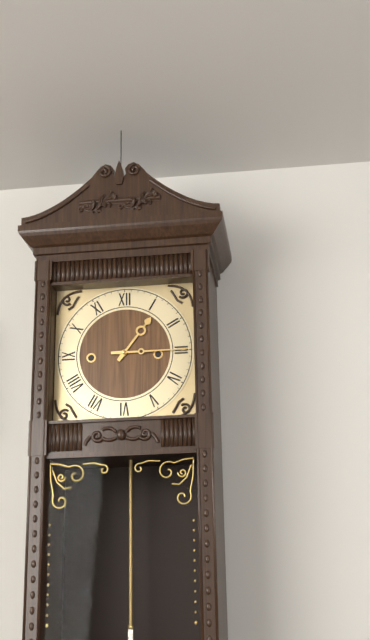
1 h 15 min
